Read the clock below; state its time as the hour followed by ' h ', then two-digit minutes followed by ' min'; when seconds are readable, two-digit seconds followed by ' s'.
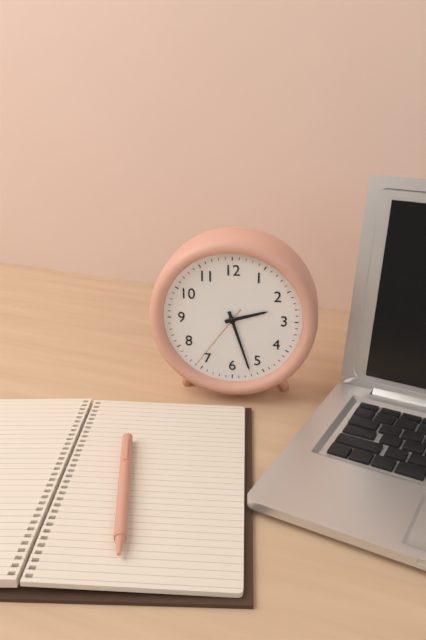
2 h 27 min 36 s
